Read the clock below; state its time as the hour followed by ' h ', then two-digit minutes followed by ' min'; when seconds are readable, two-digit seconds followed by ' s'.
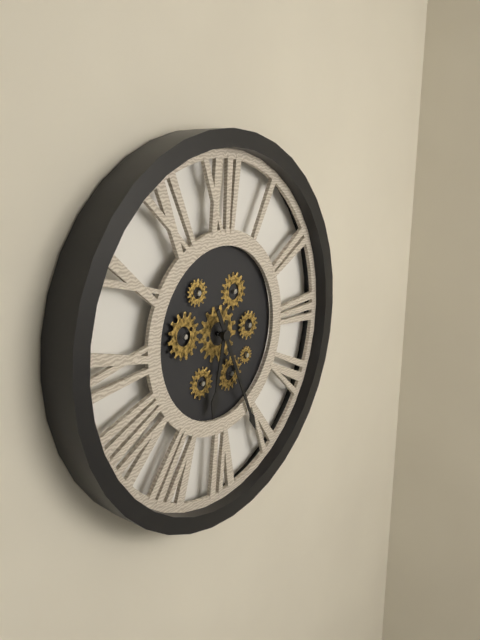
6 h 26 min
